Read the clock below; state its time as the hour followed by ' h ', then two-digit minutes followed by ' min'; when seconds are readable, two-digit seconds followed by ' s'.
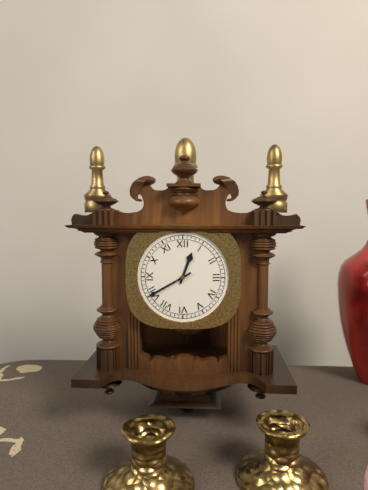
12 h 40 min
